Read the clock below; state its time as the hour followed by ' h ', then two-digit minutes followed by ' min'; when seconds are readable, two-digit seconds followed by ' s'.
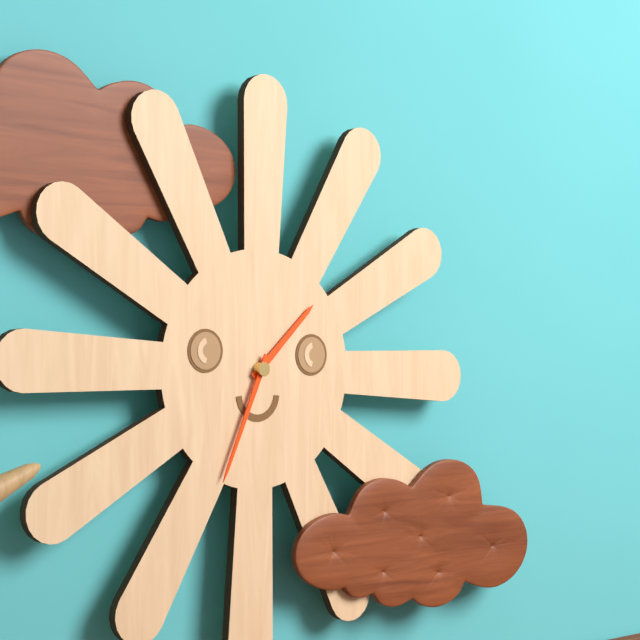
1 h 34 min
